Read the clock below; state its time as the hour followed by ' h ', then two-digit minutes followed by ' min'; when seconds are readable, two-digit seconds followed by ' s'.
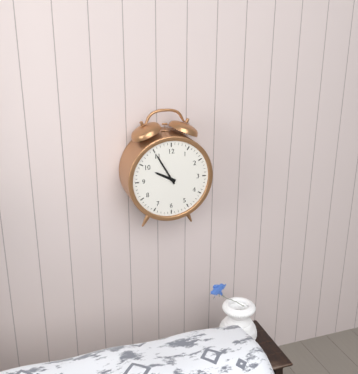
9 h 55 min
